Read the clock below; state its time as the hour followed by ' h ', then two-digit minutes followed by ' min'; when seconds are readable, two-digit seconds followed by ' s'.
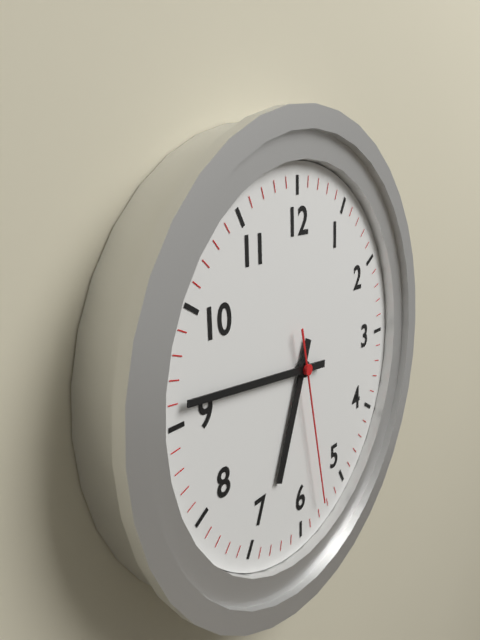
6 h 46 min 28 s
